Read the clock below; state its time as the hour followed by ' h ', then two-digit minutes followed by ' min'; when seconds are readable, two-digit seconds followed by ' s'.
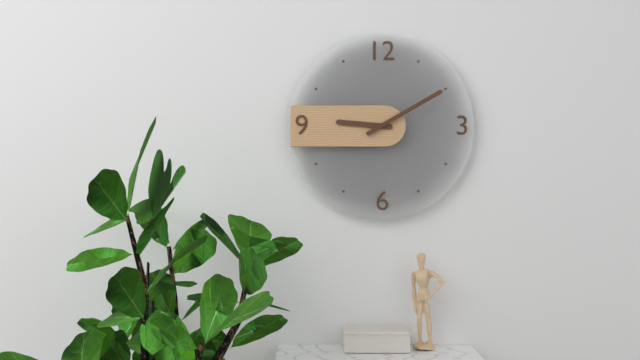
9 h 10 min
